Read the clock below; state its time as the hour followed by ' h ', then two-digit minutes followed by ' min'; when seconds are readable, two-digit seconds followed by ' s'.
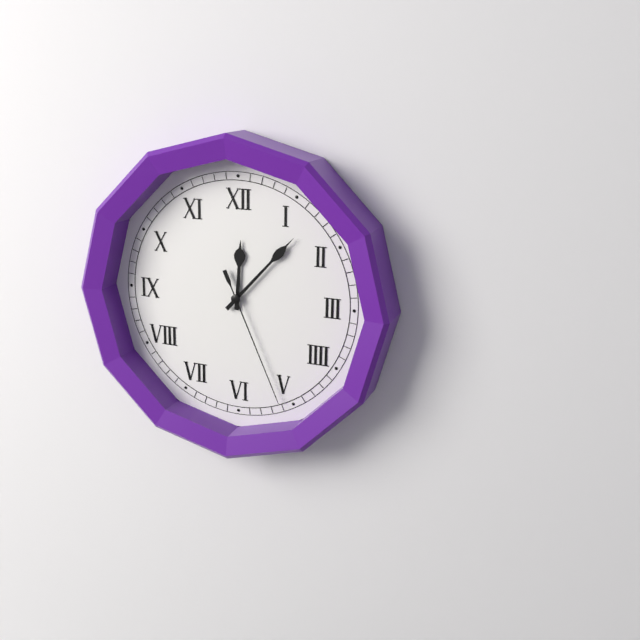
12 h 07 min 26 s
